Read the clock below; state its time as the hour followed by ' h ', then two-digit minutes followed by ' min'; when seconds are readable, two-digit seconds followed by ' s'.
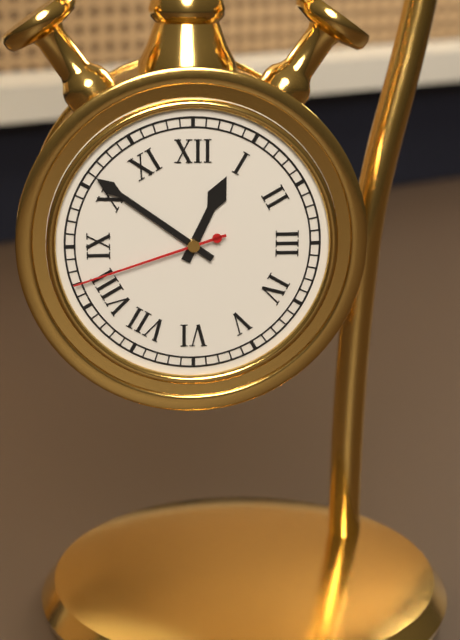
12 h 51 min 42 s
